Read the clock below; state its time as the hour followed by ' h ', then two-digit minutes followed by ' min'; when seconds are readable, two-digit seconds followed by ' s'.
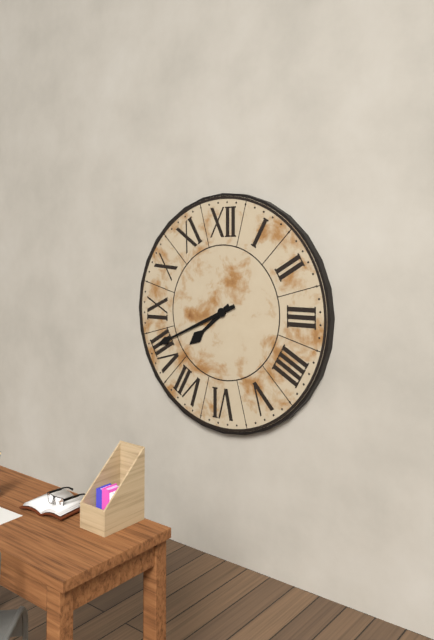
7 h 41 min
